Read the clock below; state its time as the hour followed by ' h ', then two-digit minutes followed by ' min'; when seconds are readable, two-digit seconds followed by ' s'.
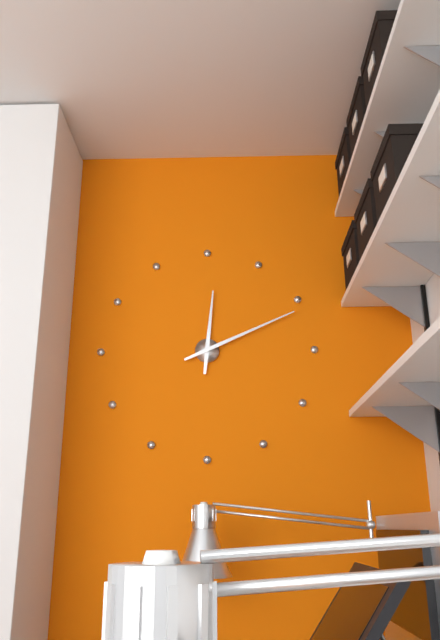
12 h 11 min
